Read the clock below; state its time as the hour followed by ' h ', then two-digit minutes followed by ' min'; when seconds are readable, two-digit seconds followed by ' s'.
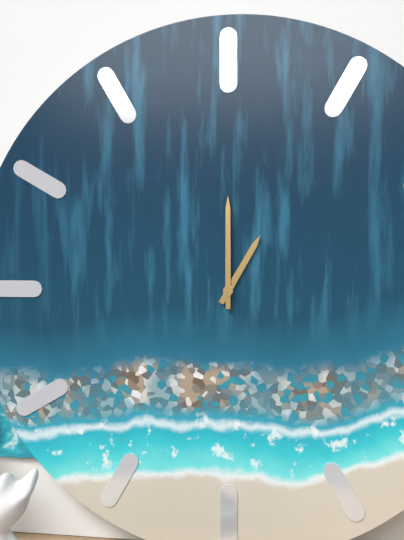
1 h 00 min
